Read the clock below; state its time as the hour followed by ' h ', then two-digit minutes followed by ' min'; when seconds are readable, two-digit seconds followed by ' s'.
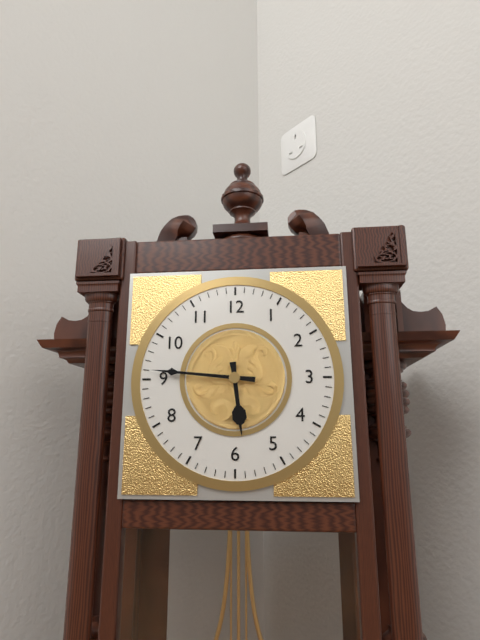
5 h 46 min
